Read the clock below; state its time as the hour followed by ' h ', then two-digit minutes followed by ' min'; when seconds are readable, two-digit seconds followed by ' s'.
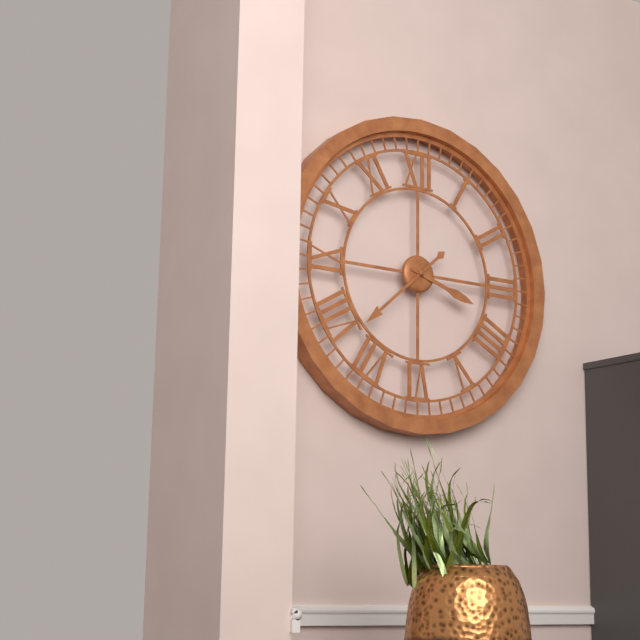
3 h 38 min
